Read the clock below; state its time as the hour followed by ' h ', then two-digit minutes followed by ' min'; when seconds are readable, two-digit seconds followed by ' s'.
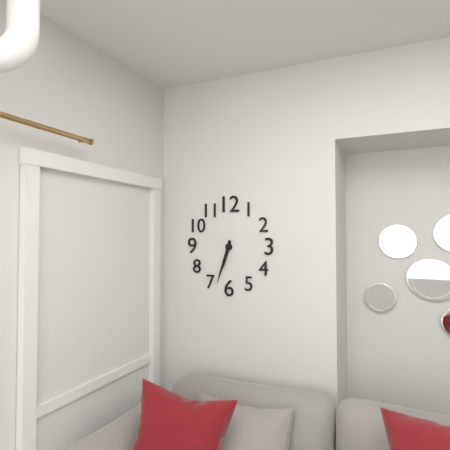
6 h 33 min
